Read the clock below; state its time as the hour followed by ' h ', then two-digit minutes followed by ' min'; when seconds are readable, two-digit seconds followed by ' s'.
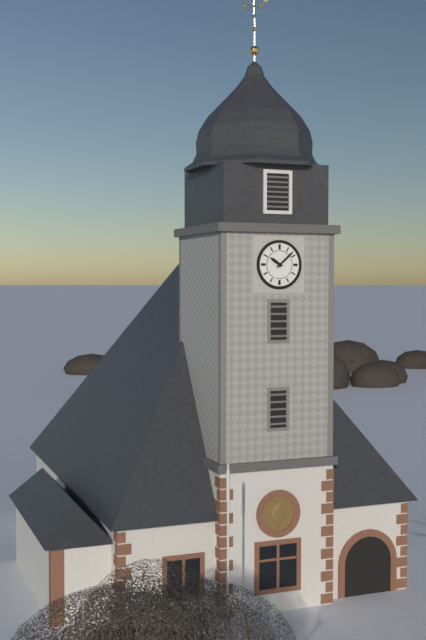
10 h 08 min
